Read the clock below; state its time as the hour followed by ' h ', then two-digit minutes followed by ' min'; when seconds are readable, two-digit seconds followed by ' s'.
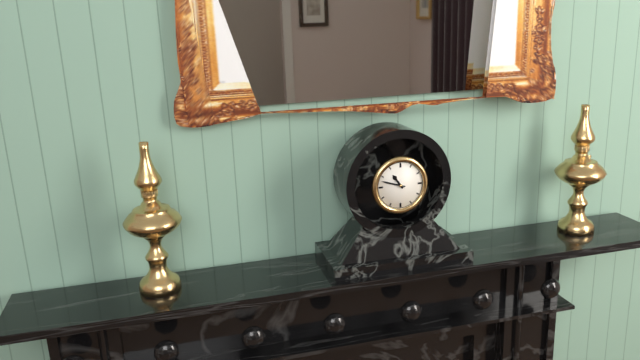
10 h 48 min
